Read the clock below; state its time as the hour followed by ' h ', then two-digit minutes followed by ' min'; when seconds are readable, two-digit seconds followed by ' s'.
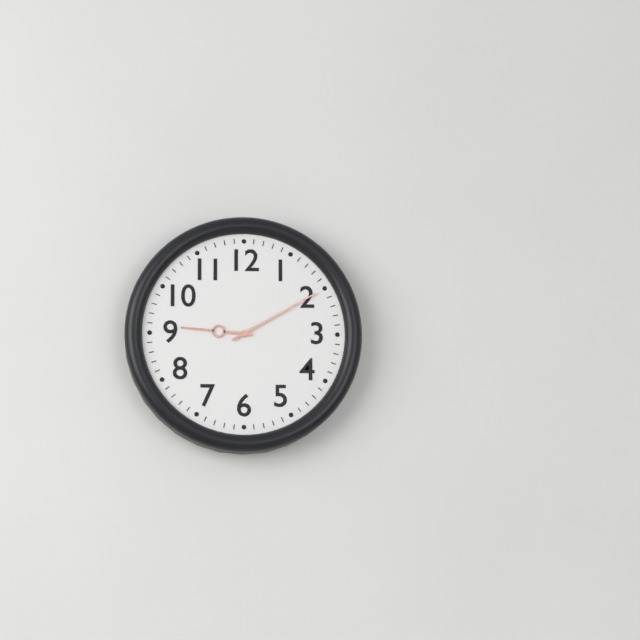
9 h 10 min
